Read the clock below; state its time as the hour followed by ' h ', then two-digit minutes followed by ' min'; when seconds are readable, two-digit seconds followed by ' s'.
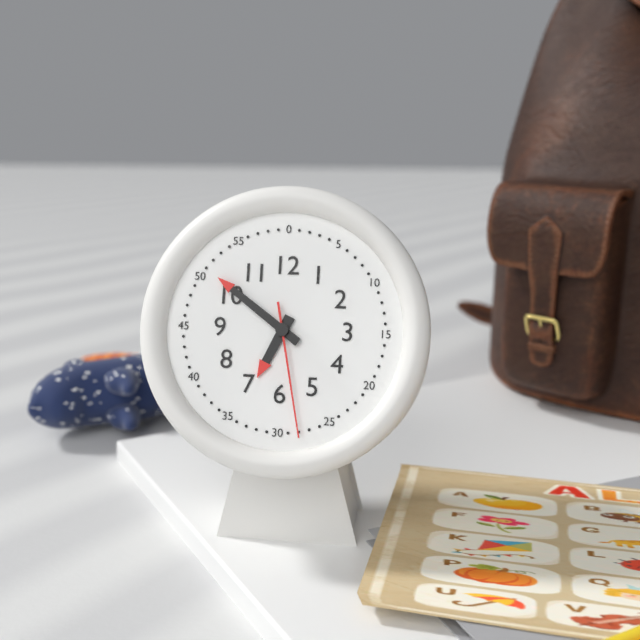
6 h 51 min 28 s
